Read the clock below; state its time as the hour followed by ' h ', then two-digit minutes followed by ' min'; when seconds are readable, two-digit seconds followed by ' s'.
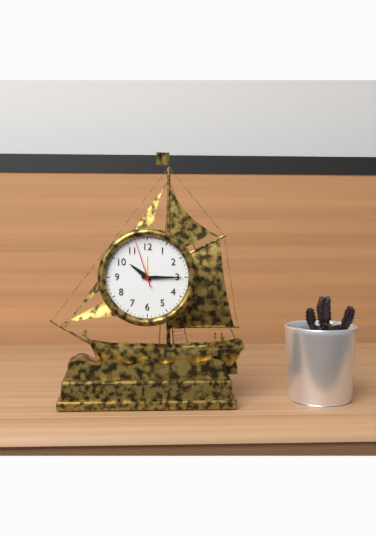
10 h 15 min
